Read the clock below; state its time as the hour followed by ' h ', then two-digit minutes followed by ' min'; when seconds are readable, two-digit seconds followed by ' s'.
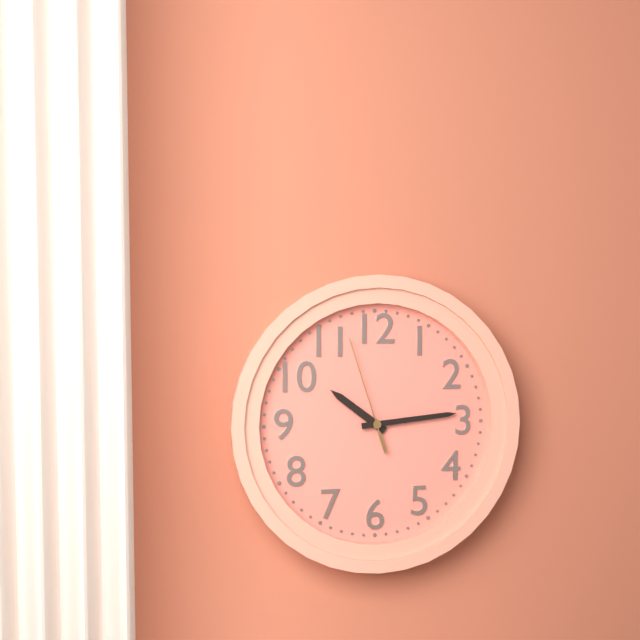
10 h 14 min 57 s
